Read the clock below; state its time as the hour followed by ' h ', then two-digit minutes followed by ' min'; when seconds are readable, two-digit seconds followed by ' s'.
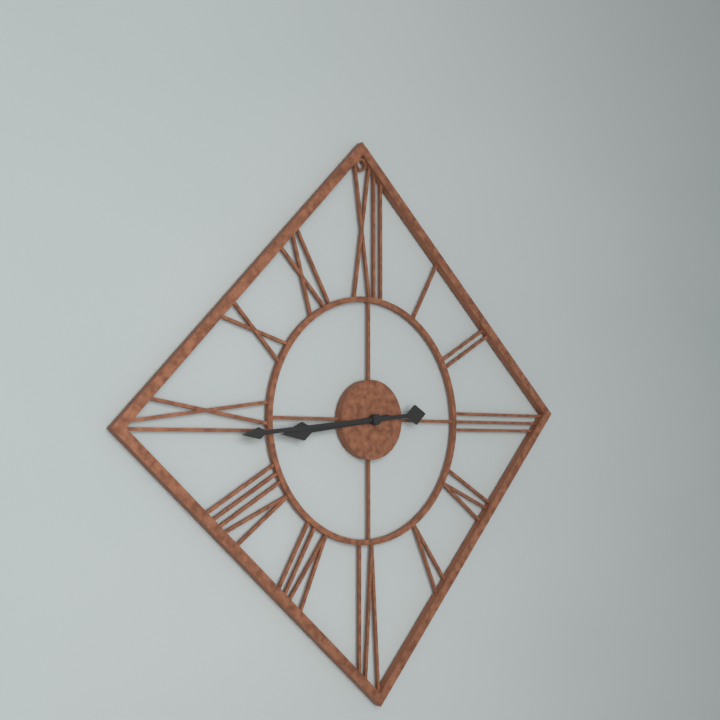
8 h 44 min
